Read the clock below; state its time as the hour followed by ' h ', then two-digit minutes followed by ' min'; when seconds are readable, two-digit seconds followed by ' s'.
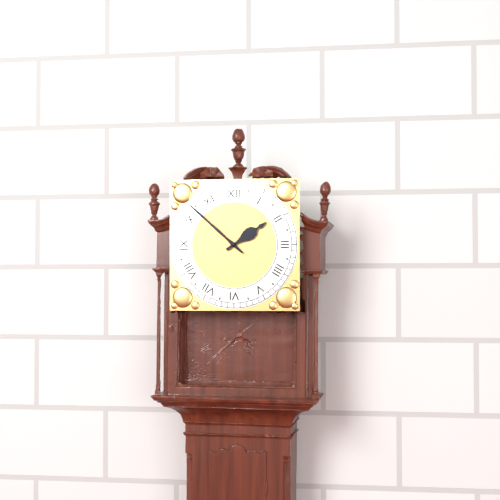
1 h 52 min
